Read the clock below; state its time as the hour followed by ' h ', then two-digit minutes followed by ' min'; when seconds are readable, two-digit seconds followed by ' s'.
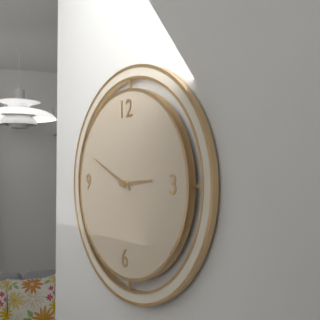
2 h 49 min
